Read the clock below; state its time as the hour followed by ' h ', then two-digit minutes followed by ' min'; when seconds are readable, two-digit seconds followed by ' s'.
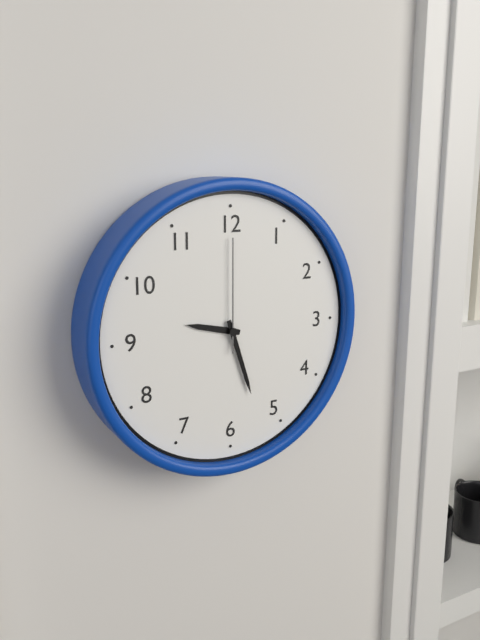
9 h 27 min 00 s
